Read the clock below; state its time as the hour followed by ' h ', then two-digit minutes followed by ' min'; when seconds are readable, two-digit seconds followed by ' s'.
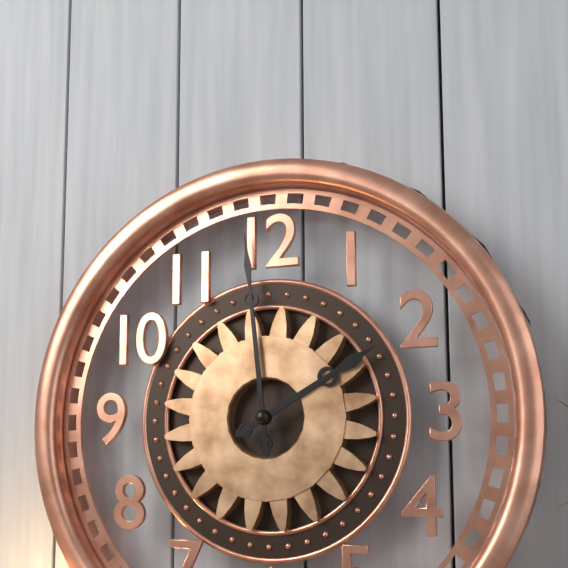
1 h 59 min
